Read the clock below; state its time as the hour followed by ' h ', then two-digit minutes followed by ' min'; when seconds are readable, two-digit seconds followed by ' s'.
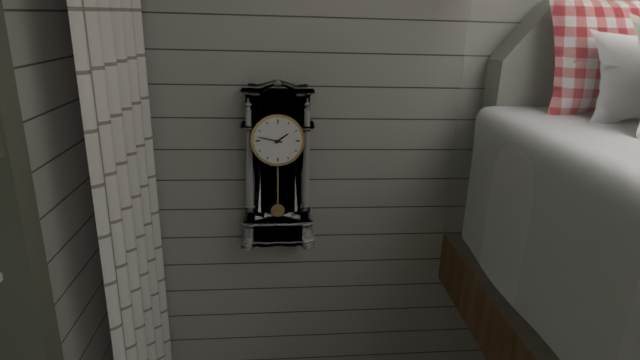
1 h 47 min
